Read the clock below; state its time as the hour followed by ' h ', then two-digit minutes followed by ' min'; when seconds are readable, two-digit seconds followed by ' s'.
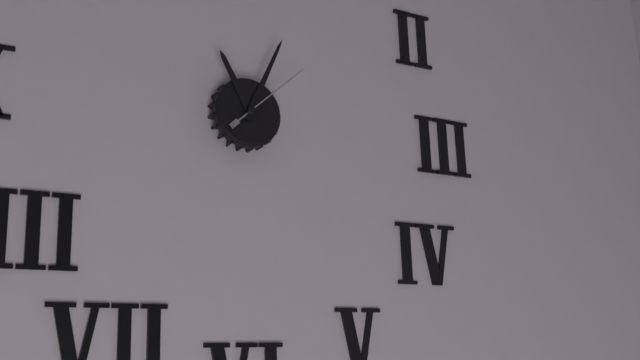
11 h 04 min 08 s
